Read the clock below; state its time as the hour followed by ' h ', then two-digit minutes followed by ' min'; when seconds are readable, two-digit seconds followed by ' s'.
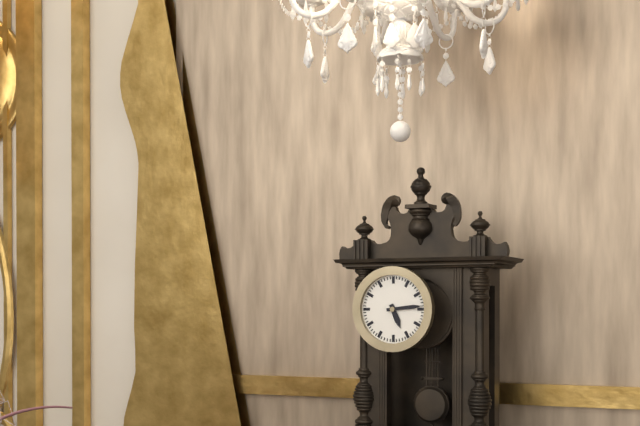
5 h 14 min
